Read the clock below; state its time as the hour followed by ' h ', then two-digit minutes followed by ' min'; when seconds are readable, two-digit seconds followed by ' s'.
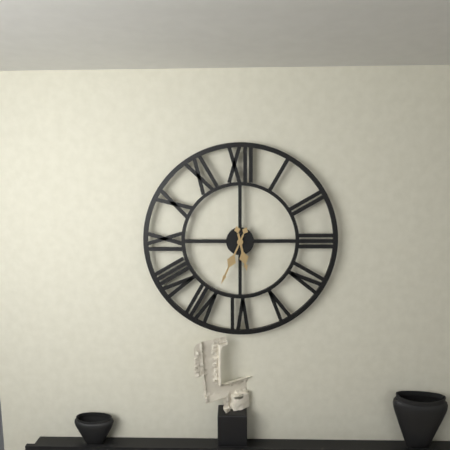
5 h 34 min
